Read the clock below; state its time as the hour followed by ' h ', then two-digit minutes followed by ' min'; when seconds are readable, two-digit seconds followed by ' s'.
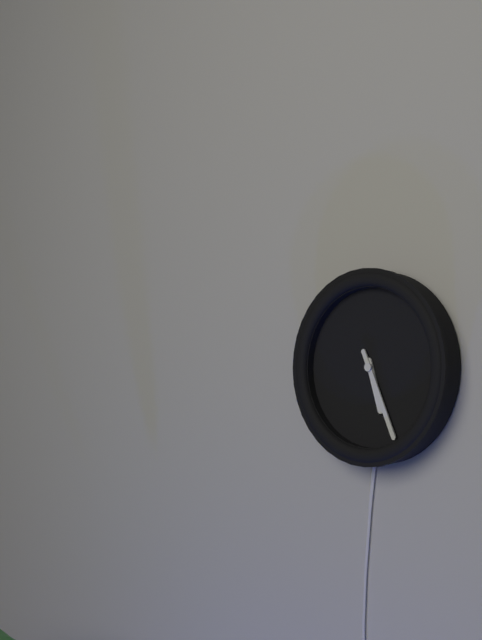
5 h 26 min
